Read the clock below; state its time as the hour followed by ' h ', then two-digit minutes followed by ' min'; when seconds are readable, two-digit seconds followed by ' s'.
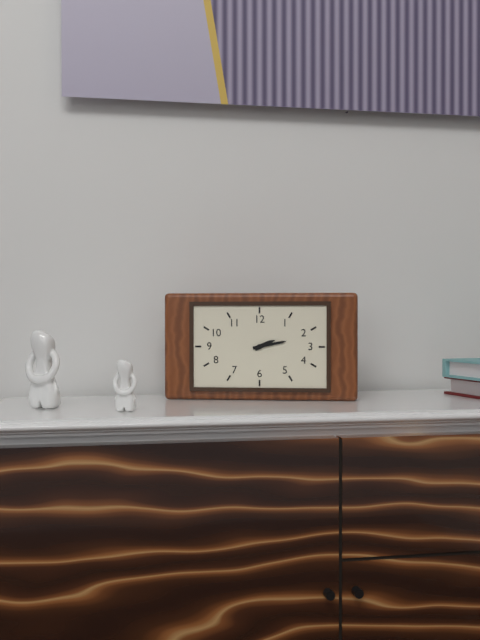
2 h 13 min
